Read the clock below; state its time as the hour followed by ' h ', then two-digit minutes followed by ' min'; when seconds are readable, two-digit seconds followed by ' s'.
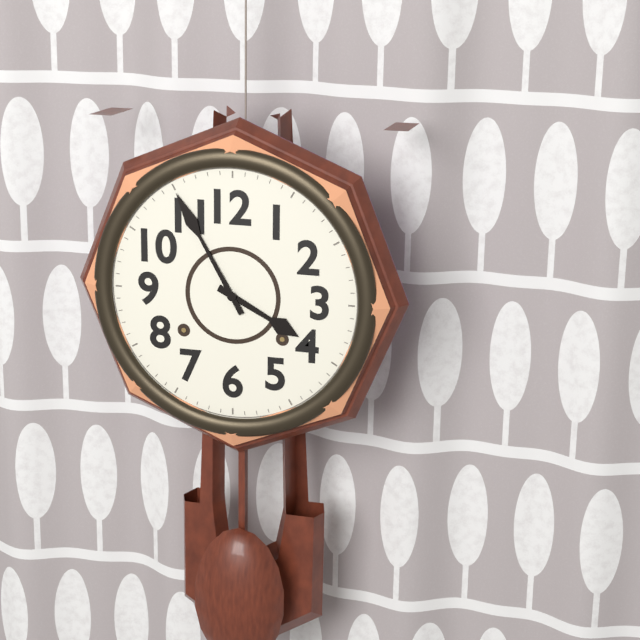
3 h 55 min
